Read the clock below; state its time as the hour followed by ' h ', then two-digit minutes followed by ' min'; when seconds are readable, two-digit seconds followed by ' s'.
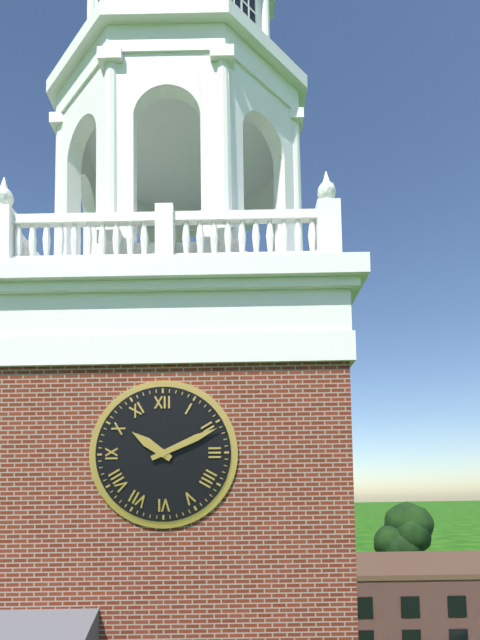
10 h 11 min
